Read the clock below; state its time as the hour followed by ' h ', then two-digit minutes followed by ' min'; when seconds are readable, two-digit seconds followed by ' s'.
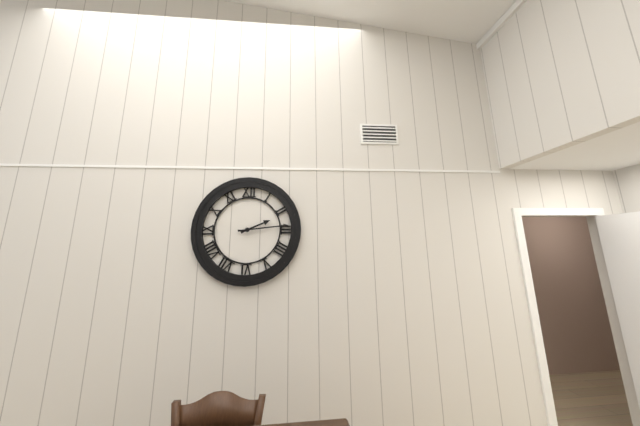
2 h 14 min
